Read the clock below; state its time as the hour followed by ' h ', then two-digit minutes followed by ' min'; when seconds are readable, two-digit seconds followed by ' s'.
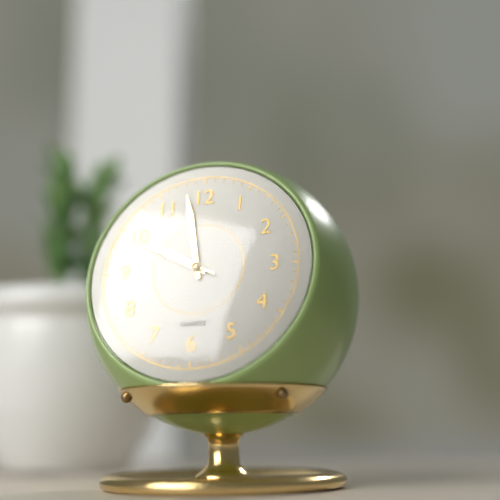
9 h 58 min 49 s
